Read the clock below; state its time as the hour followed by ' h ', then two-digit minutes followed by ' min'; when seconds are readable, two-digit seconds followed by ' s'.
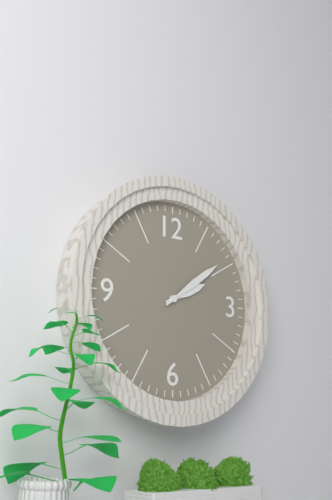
2 h 09 min
